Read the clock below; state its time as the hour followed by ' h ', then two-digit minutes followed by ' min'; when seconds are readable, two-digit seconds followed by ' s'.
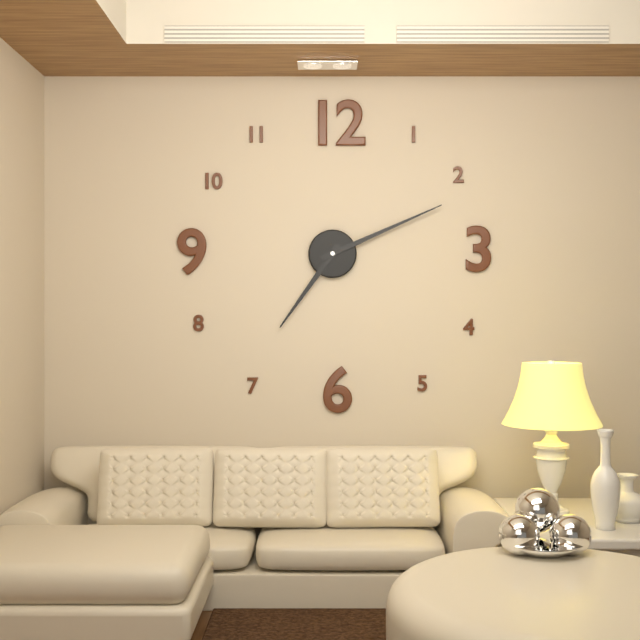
7 h 11 min
